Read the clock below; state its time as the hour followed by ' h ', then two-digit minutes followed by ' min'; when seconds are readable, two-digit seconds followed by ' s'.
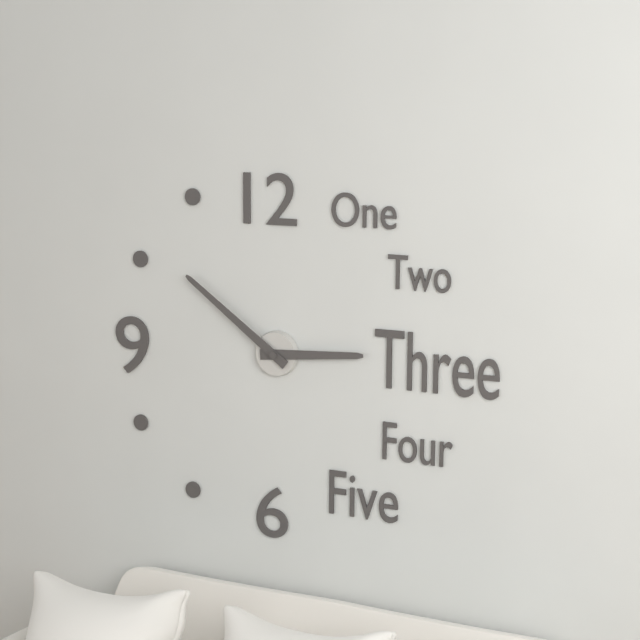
2 h 51 min
